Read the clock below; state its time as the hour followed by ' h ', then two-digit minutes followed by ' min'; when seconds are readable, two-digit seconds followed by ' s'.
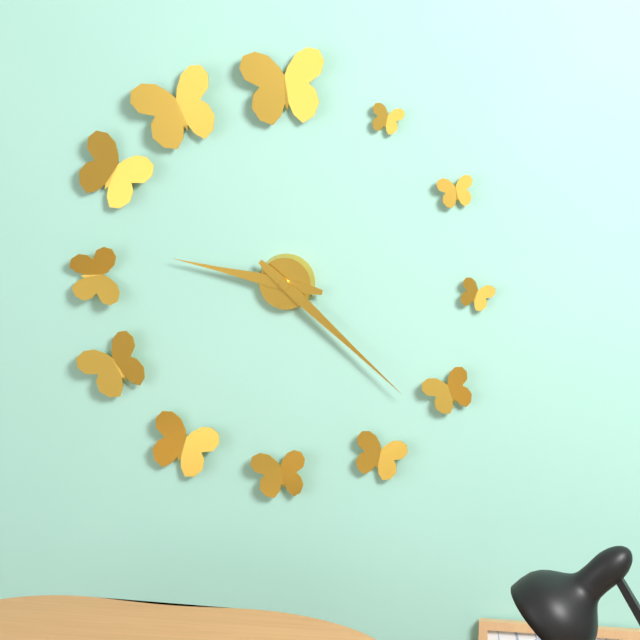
9 h 22 min
